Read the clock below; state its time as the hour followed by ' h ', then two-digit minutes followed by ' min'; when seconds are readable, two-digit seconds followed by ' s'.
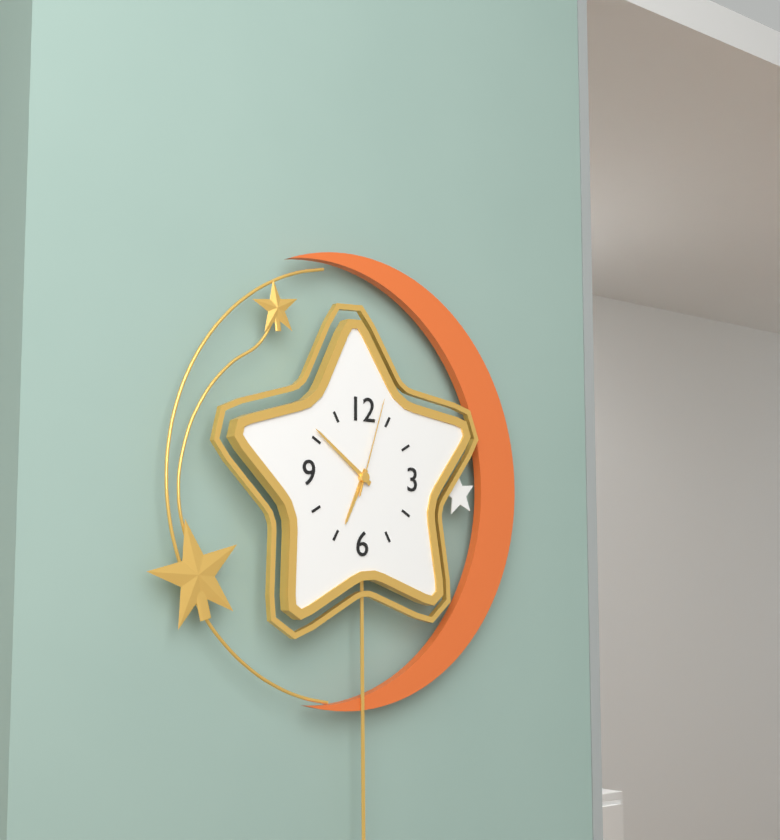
6 h 51 min 03 s
